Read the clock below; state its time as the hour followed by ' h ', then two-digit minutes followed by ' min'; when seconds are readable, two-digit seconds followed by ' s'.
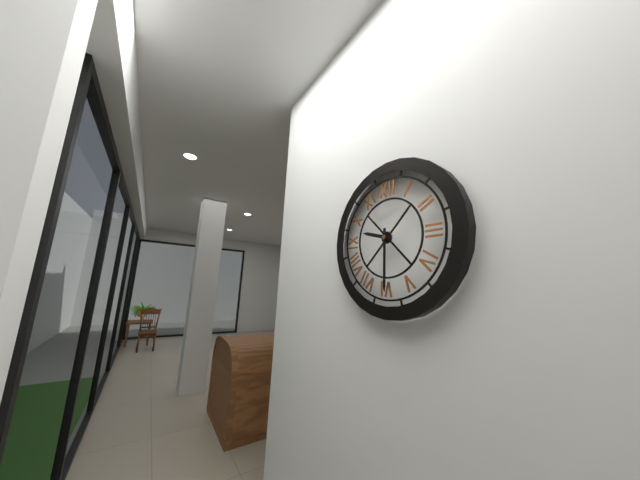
9 h 30 min
